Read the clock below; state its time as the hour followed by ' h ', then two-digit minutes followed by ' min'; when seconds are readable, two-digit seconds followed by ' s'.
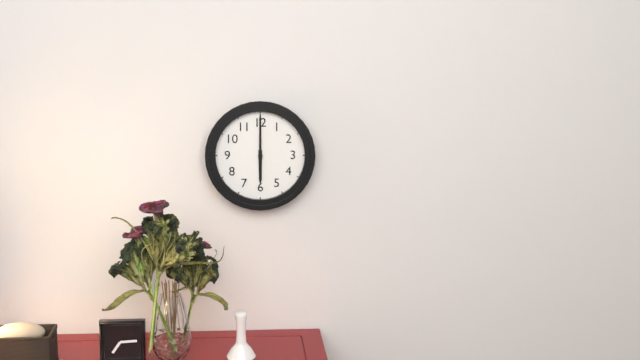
6 h 00 min
